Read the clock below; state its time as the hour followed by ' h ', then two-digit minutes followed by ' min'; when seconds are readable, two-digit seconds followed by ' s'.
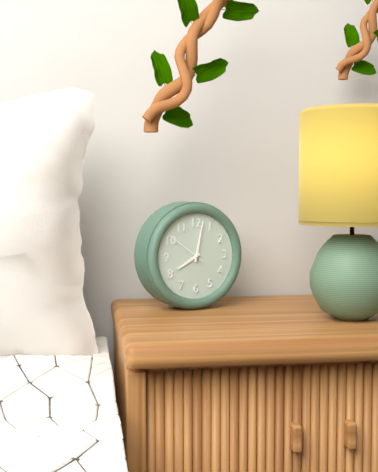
8 h 02 min
